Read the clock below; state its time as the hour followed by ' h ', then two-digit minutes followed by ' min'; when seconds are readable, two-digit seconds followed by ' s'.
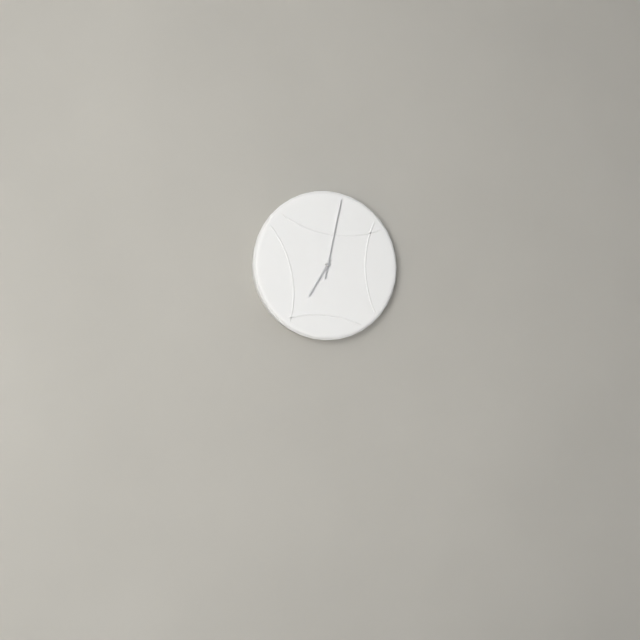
7 h 02 min
